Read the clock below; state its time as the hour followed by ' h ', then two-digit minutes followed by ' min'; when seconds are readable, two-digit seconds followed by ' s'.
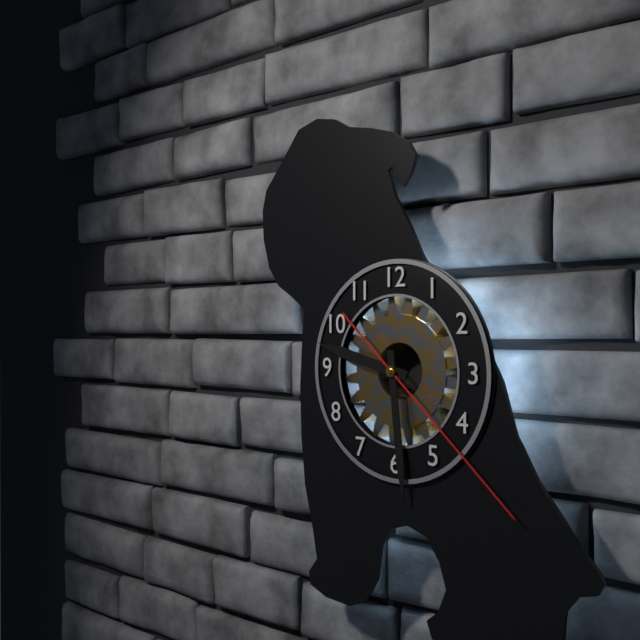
9 h 29 min 22 s
